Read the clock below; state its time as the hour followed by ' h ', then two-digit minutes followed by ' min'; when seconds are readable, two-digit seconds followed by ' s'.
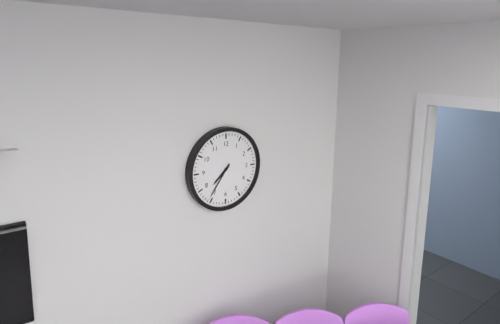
7 h 36 min
